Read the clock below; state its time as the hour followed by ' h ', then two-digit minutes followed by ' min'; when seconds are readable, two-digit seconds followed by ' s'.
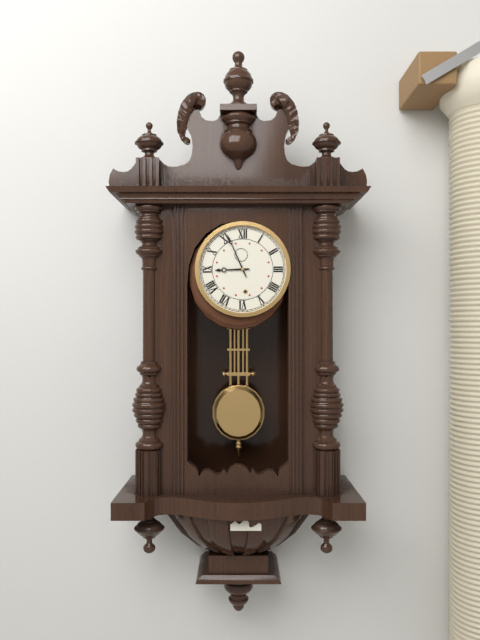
8 h 56 min
